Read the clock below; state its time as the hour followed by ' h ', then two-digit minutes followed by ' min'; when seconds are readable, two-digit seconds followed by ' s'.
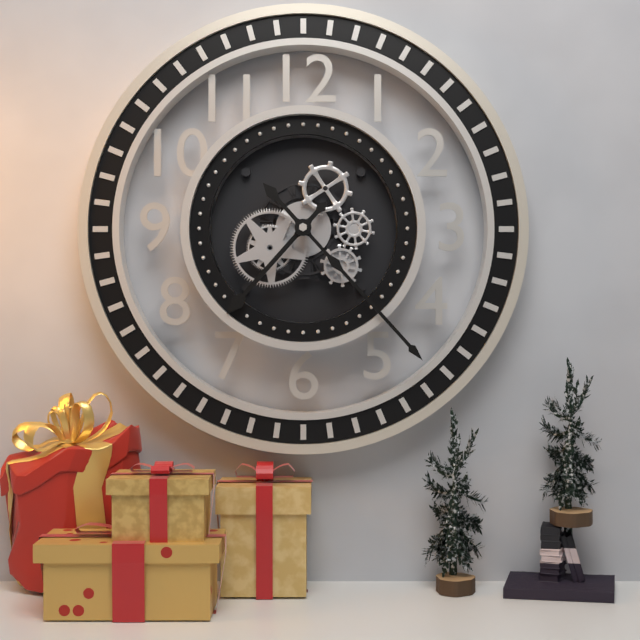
7 h 23 min
